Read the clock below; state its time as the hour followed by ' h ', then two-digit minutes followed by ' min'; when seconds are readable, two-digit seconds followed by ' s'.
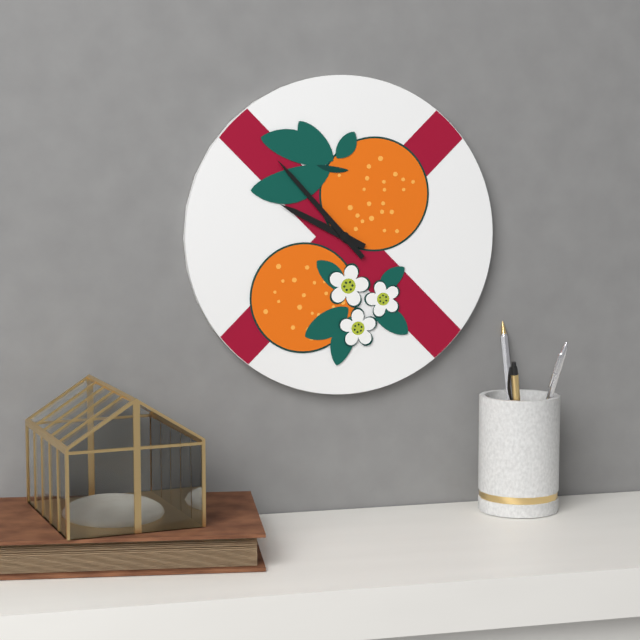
9 h 53 min
